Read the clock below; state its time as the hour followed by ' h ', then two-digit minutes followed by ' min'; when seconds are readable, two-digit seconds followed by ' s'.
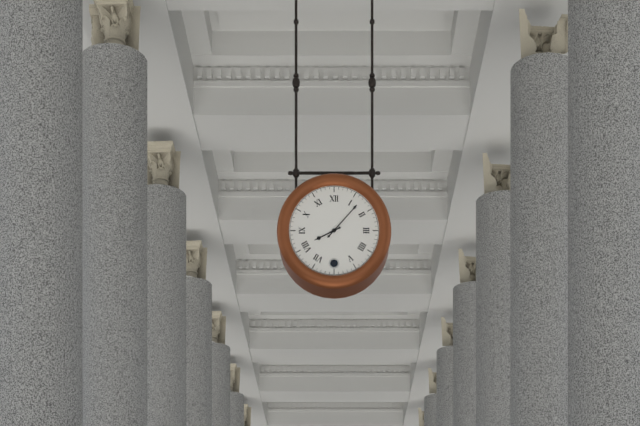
8 h 07 min
